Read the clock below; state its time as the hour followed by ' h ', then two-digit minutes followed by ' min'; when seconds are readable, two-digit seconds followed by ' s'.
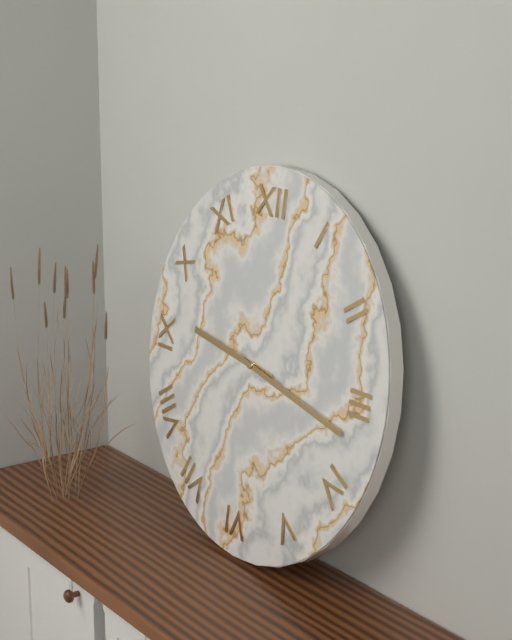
9 h 17 min
